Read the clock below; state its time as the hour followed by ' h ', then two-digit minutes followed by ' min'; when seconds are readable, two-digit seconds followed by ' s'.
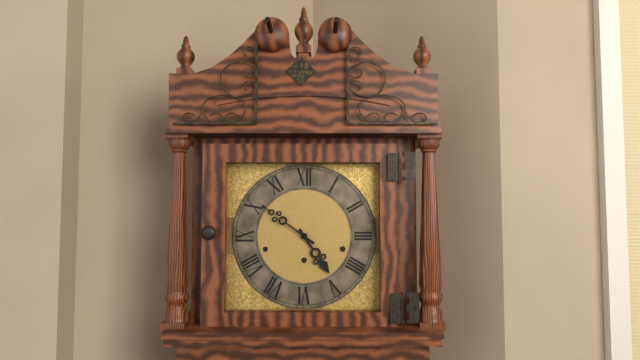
4 h 51 min
